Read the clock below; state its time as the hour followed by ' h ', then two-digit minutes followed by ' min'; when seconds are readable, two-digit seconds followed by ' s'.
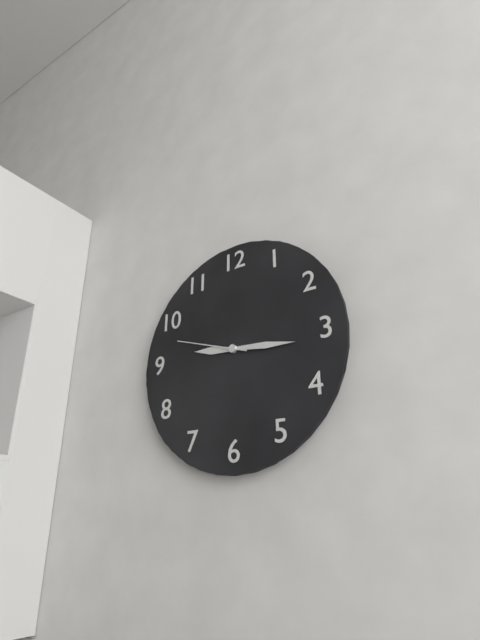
9 h 16 min 48 s
